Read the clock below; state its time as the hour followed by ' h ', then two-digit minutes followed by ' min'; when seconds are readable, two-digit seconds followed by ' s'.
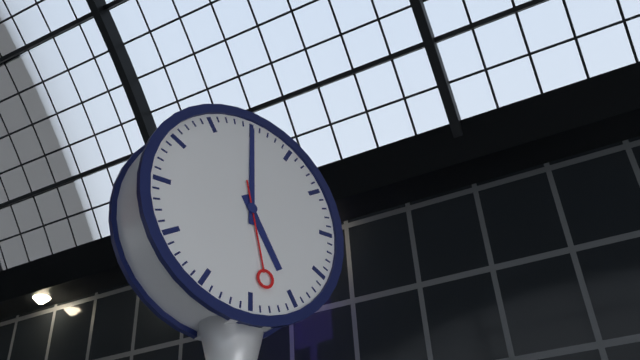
5 h 00 min 28 s
